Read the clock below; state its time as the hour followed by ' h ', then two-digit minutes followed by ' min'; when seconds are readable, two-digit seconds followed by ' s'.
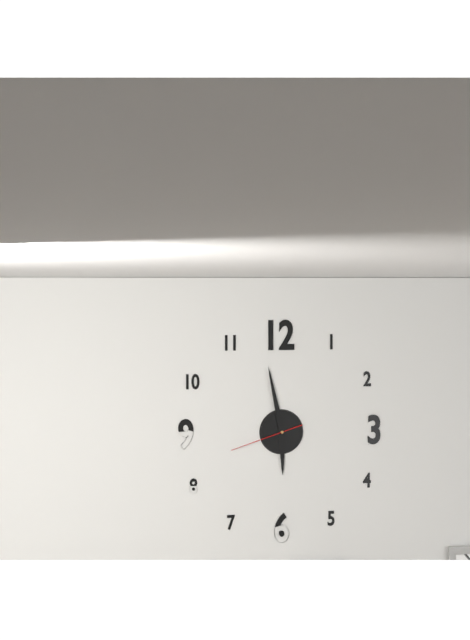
5 h 58 min 42 s
